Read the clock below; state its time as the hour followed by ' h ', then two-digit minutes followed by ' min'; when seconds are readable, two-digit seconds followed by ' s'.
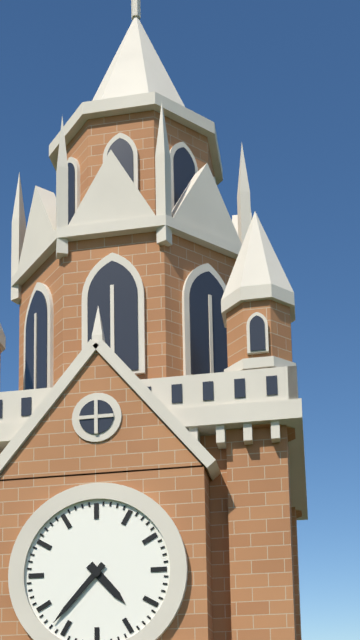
4 h 37 min
